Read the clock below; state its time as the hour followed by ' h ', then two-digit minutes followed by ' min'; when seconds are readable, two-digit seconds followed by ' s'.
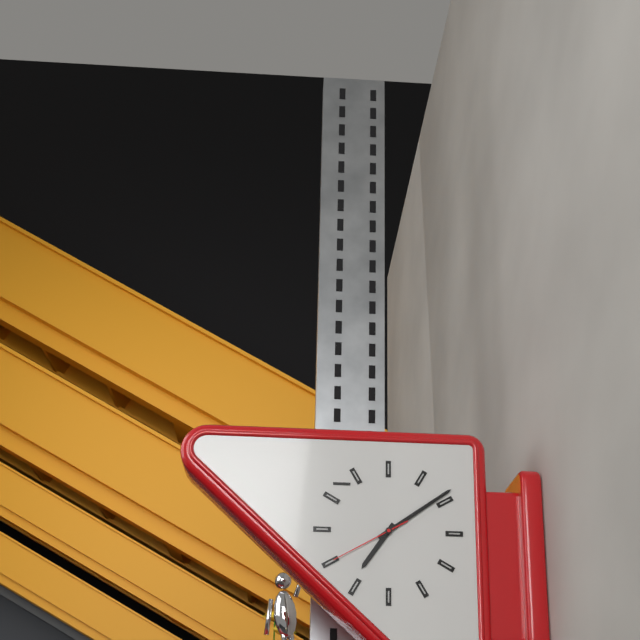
7 h 09 min 40 s
